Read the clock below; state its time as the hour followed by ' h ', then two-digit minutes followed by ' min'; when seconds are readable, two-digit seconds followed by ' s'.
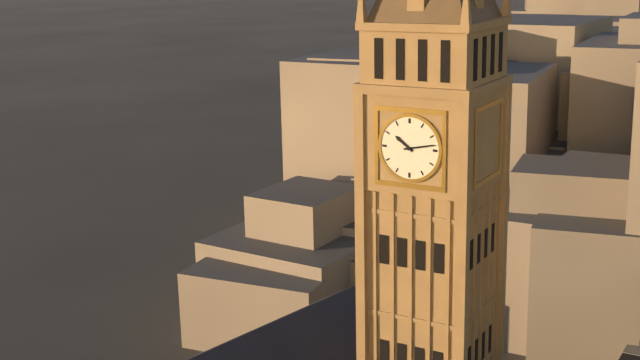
10 h 13 min
